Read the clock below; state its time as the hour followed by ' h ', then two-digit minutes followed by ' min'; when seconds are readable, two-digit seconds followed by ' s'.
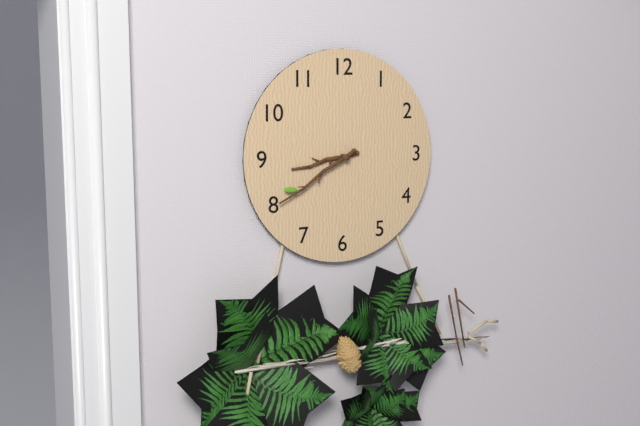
8 h 40 min
